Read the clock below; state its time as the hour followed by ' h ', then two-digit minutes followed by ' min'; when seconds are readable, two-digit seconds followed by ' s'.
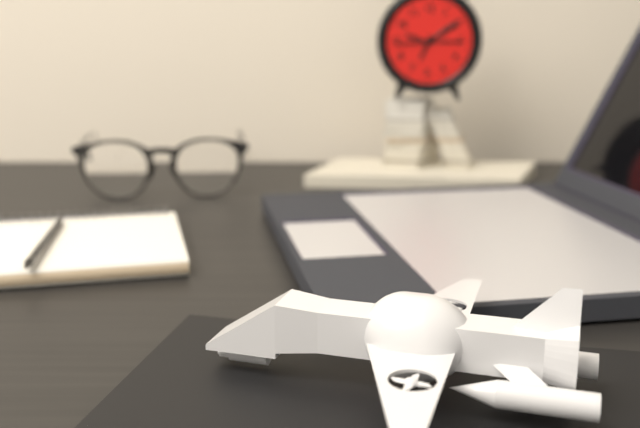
6 h 44 min
